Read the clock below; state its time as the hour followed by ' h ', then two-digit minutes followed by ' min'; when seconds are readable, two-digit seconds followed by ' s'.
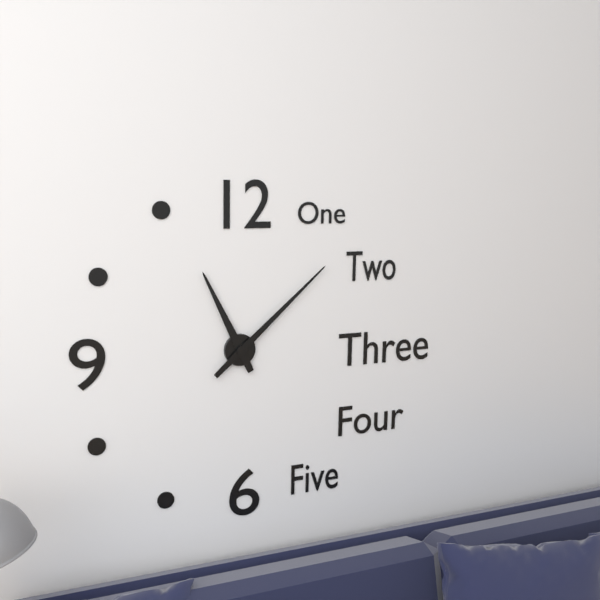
11 h 08 min
